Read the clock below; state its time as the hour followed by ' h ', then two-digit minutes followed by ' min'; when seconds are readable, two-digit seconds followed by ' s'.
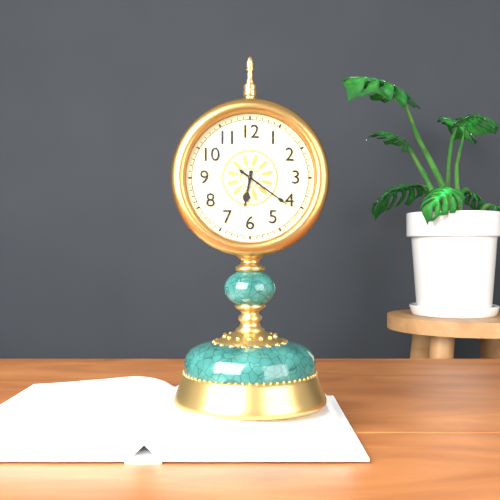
6 h 21 min
